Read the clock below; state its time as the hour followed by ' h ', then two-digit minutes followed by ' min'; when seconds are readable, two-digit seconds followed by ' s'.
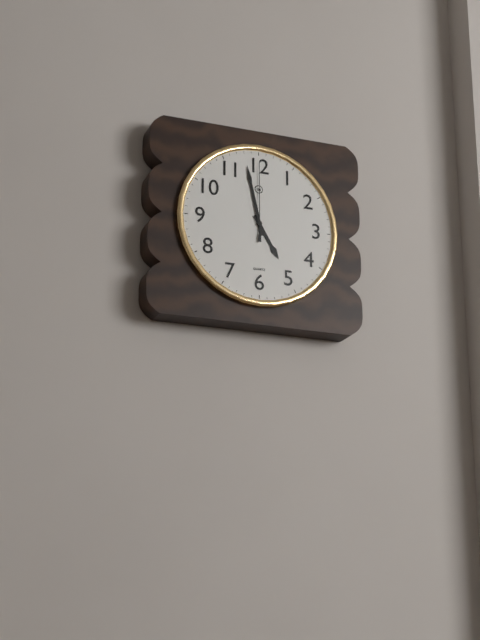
4 h 58 min 00 s
